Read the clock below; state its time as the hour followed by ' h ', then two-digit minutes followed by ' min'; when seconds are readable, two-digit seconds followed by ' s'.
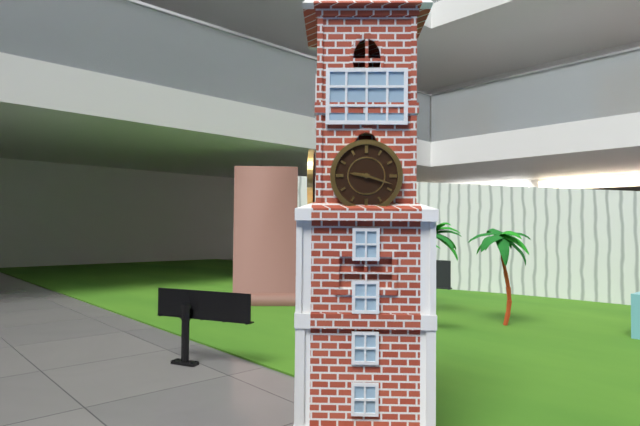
9 h 18 min
